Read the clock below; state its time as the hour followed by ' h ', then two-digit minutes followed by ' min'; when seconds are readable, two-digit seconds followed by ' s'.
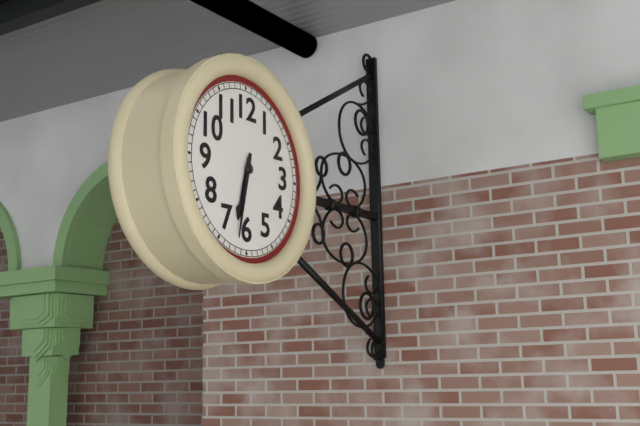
6 h 32 min
